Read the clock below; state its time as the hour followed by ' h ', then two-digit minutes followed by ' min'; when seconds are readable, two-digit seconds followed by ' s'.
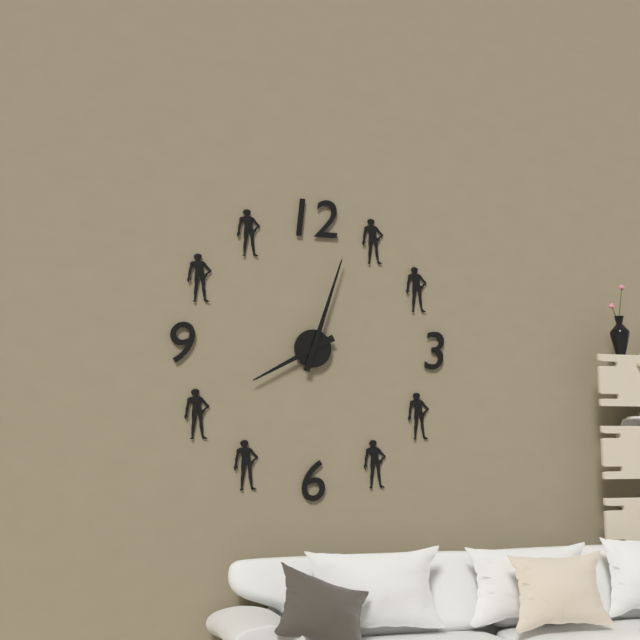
8 h 03 min
